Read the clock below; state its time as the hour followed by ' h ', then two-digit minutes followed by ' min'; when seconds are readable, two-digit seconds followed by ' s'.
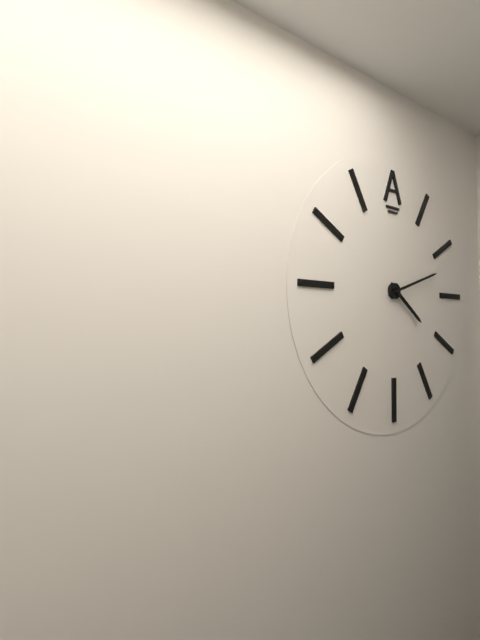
4 h 12 min
